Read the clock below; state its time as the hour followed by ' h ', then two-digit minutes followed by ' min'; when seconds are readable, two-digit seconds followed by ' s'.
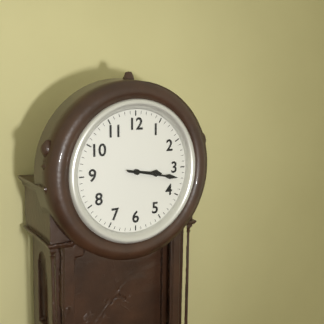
3 h 17 min
